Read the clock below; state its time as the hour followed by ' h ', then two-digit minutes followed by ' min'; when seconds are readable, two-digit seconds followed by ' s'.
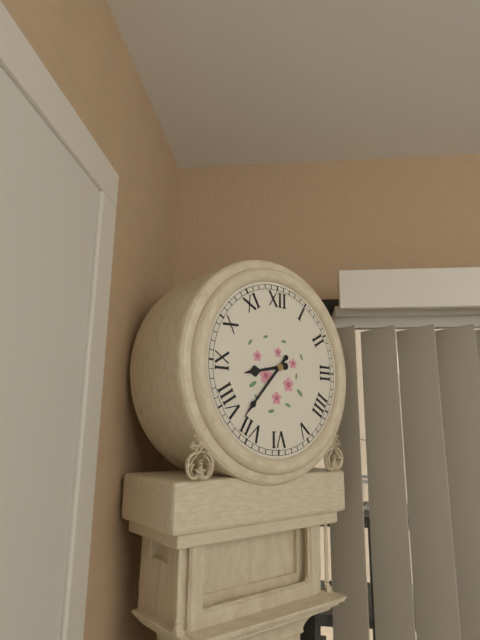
8 h 37 min
